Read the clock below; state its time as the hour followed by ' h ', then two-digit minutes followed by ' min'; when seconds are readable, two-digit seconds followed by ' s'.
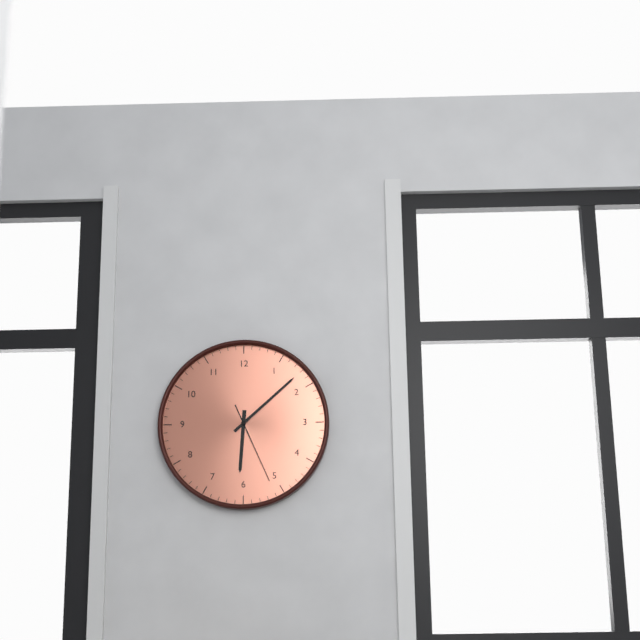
6 h 08 min 26 s
